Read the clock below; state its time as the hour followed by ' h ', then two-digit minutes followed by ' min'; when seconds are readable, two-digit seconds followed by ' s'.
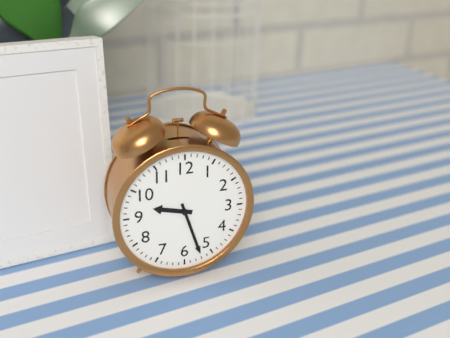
9 h 27 min
